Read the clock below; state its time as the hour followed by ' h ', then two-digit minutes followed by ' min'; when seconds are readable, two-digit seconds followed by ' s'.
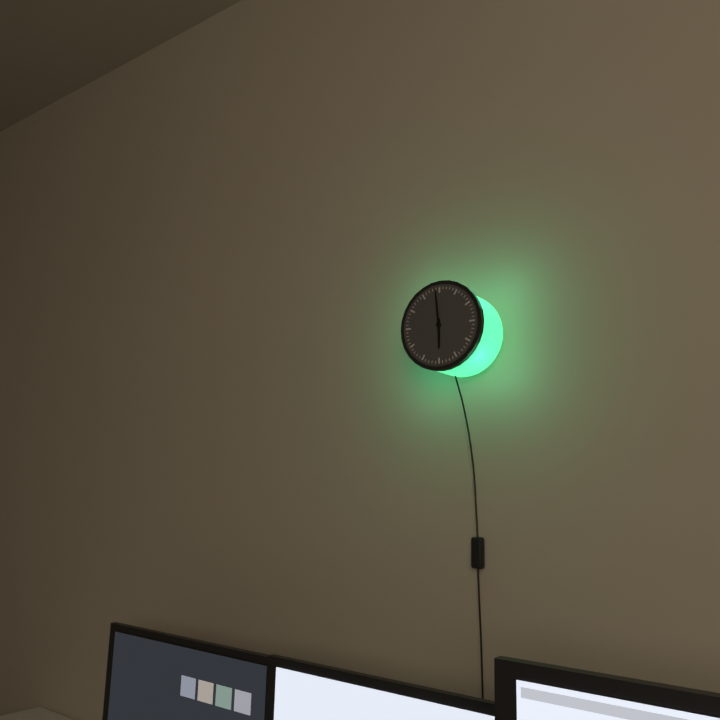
5 h 59 min
